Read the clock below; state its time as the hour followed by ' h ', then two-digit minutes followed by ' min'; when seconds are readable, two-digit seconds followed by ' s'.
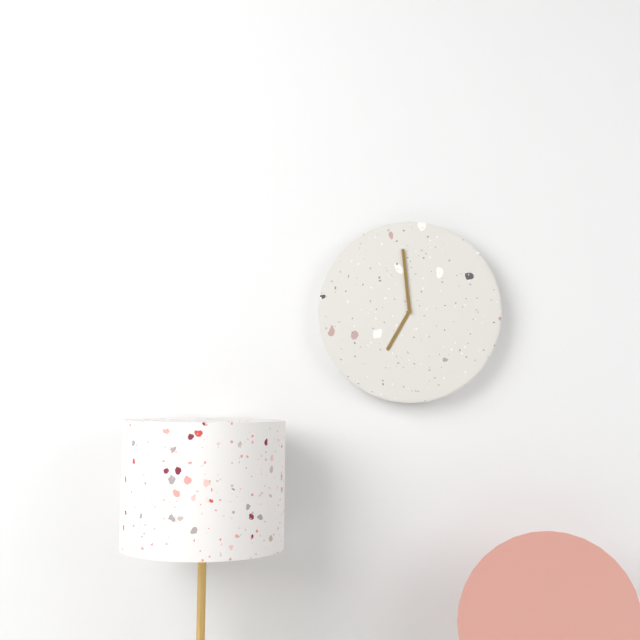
6 h 59 min
